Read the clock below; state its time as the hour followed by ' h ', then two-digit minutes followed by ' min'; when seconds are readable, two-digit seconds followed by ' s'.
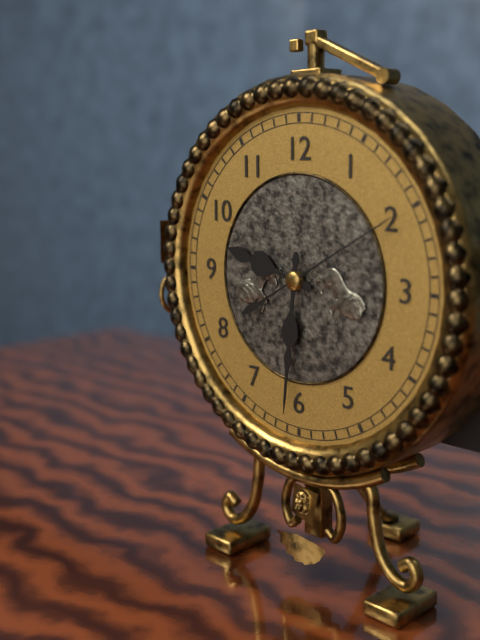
9 h 31 min 10 s
